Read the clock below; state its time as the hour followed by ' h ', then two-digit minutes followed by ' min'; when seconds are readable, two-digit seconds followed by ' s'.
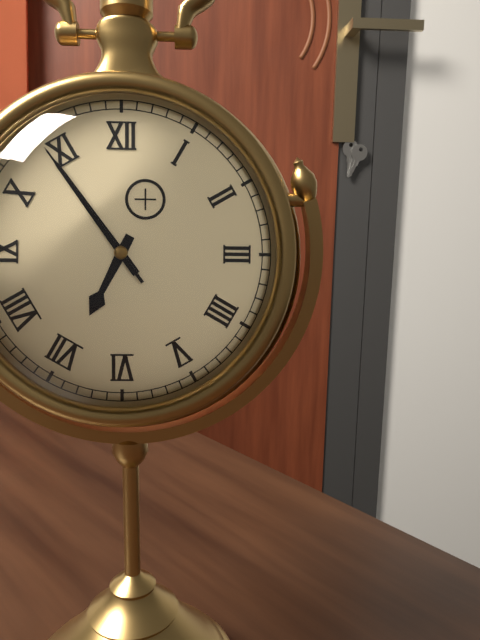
6 h 54 min 54 s
